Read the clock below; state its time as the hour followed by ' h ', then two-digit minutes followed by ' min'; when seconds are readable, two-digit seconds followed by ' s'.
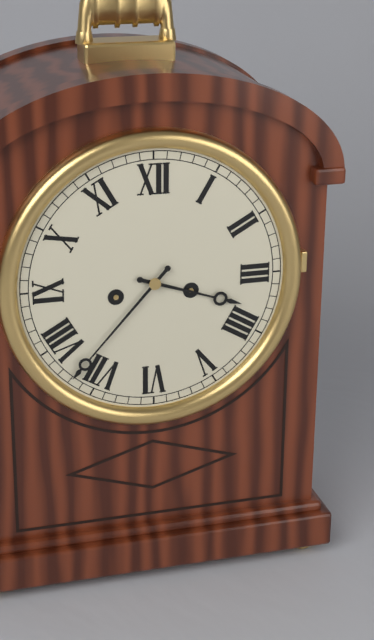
3 h 37 min
